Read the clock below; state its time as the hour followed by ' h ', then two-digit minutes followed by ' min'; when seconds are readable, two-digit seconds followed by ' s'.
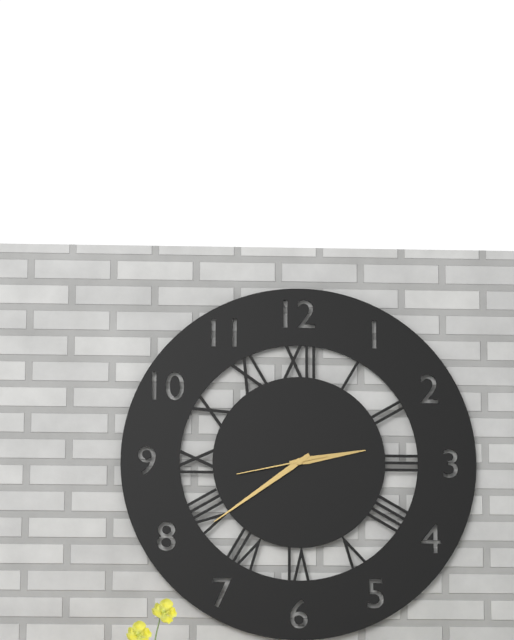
2 h 39 min 43 s
